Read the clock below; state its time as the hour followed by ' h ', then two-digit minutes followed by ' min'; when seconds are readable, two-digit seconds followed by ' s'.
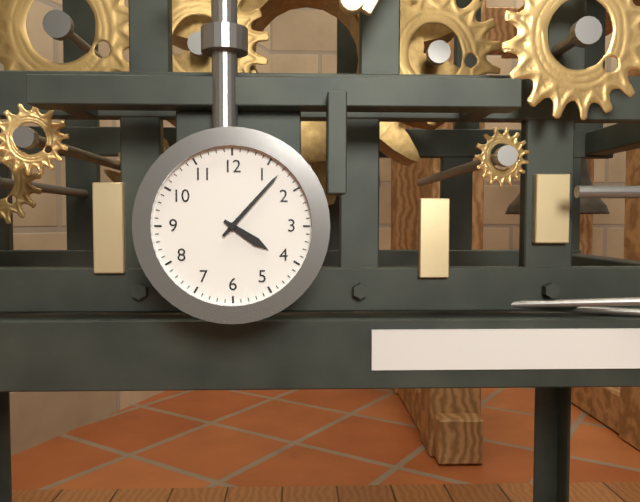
4 h 07 min
